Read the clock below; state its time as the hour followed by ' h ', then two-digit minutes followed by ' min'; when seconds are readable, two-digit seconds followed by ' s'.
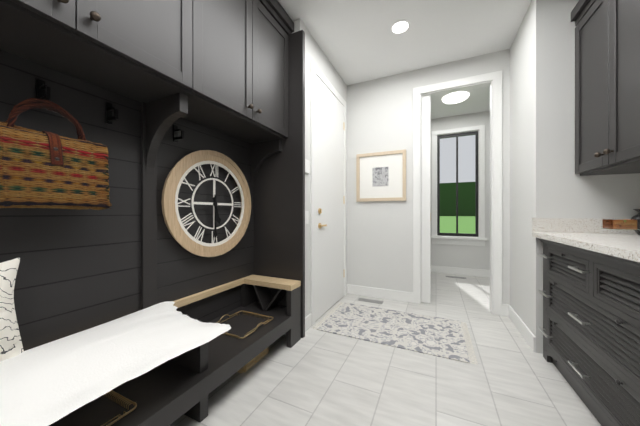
5 h 30 min
